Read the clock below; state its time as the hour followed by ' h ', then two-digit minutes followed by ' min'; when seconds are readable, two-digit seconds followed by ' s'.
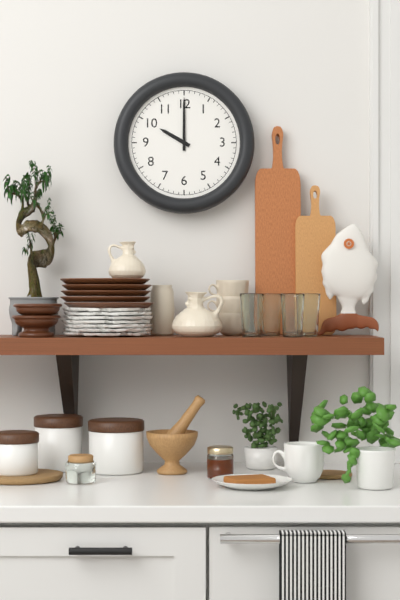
10 h 00 min
